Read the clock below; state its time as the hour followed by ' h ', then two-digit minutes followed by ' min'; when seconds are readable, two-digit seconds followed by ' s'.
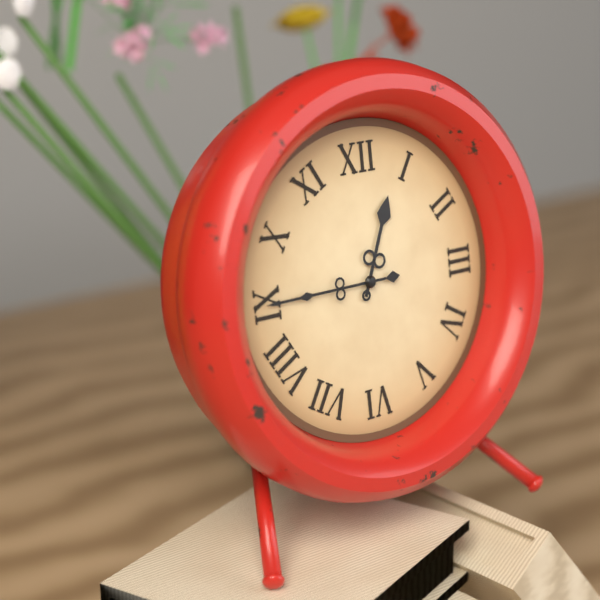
12 h 45 min
